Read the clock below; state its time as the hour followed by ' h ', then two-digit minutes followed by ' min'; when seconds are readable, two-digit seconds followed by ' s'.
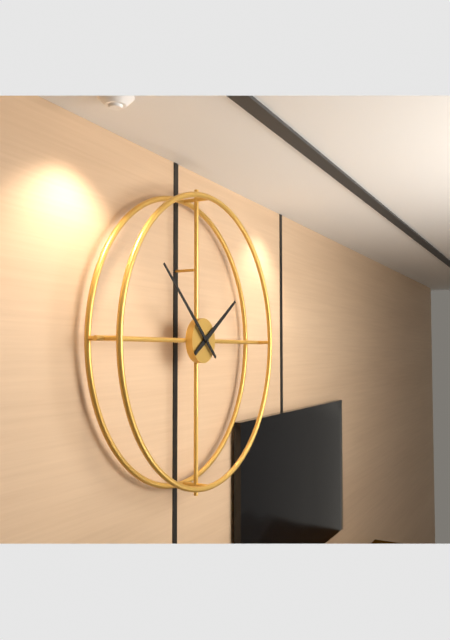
1 h 52 min
